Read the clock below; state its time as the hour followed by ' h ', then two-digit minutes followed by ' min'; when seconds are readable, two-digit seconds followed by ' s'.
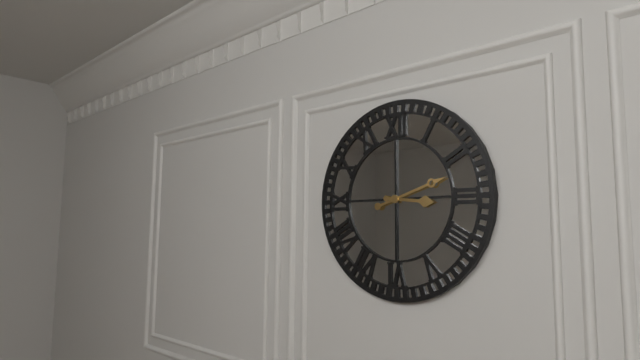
3 h 12 min
